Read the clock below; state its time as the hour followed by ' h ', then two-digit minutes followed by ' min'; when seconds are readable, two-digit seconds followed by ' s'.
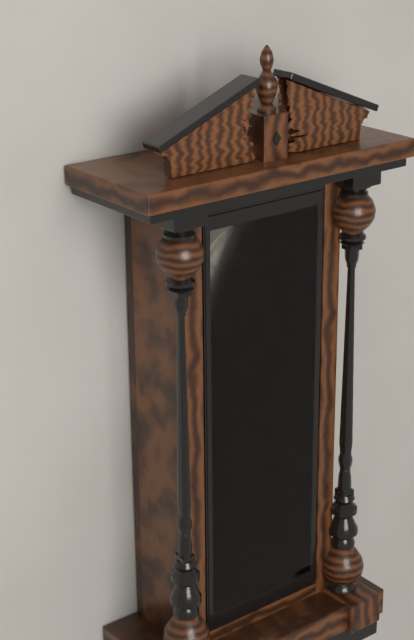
3 h 22 min
